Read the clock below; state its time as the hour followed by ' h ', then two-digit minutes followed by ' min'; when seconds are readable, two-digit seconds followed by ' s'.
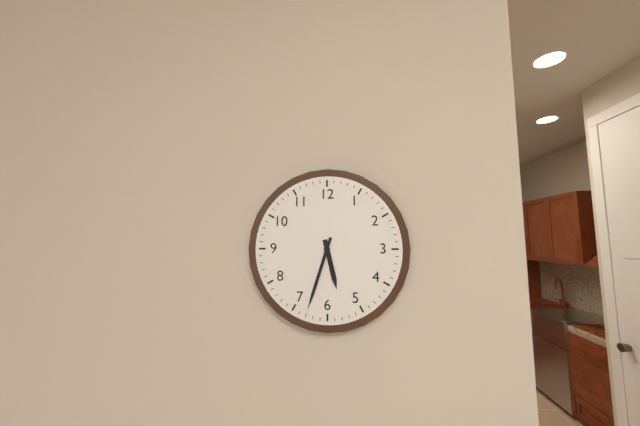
5 h 33 min
